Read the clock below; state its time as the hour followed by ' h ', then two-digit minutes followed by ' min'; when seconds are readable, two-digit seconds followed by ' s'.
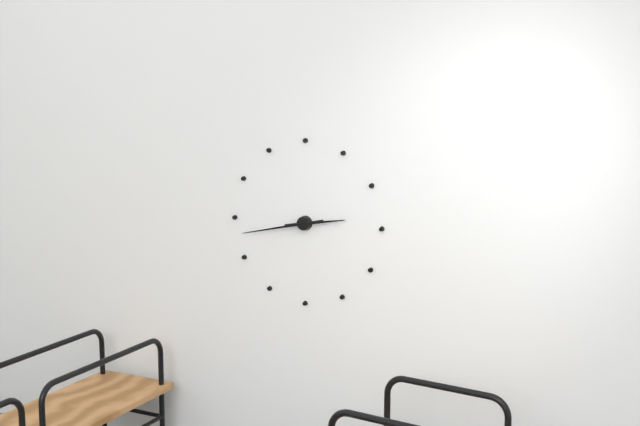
2 h 43 min
